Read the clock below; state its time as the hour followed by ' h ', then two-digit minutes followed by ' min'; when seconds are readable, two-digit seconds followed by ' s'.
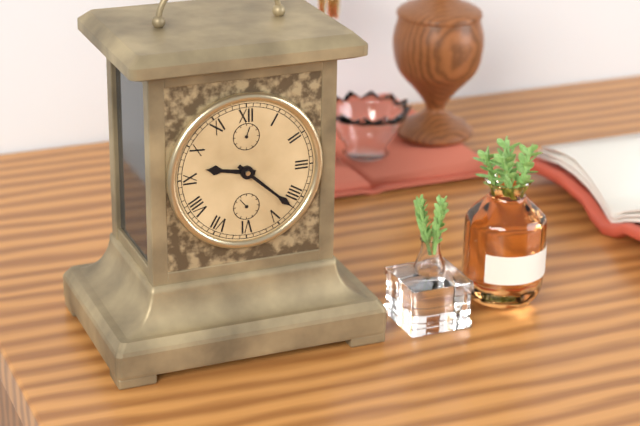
9 h 22 min
